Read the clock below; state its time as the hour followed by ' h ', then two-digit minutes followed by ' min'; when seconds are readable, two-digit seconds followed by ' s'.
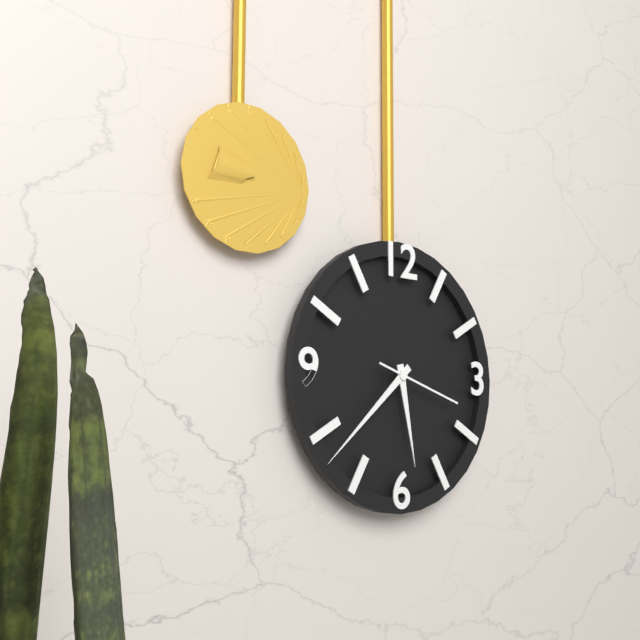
5 h 38 min 18 s
